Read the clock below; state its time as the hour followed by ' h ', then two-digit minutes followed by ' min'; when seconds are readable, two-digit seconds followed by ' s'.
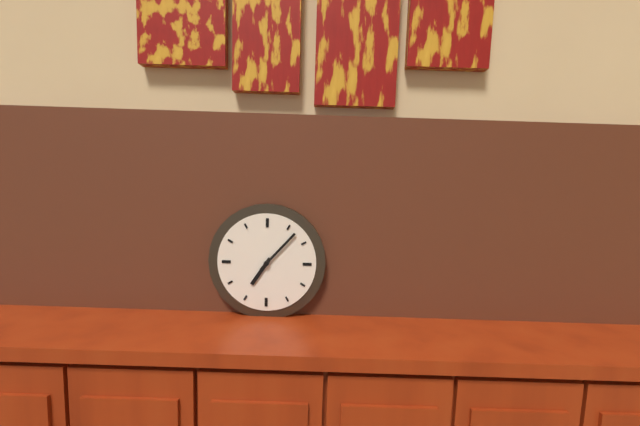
7 h 07 min
